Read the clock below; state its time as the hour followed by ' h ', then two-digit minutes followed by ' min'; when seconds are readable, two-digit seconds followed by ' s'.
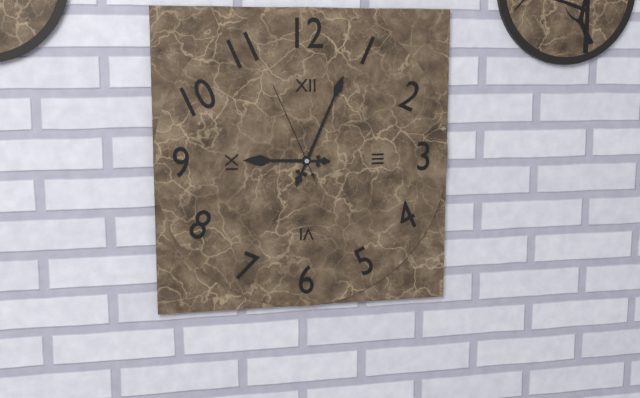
9 h 04 min 56 s
